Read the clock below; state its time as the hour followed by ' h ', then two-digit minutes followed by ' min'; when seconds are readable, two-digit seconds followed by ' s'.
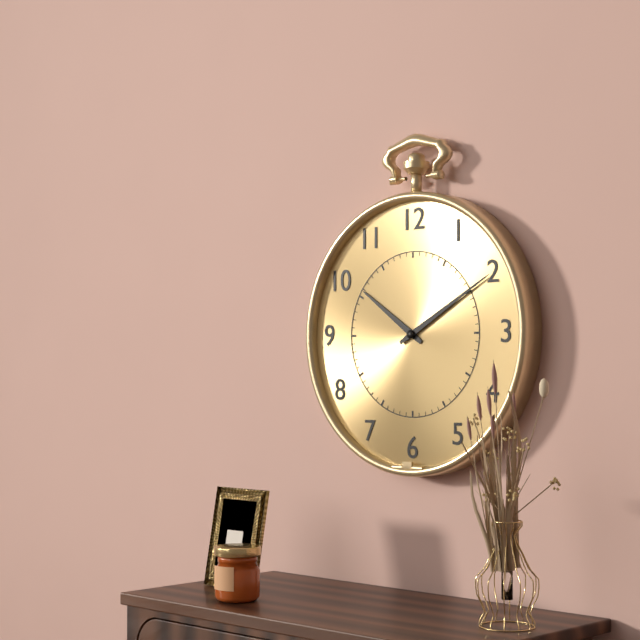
10 h 10 min
